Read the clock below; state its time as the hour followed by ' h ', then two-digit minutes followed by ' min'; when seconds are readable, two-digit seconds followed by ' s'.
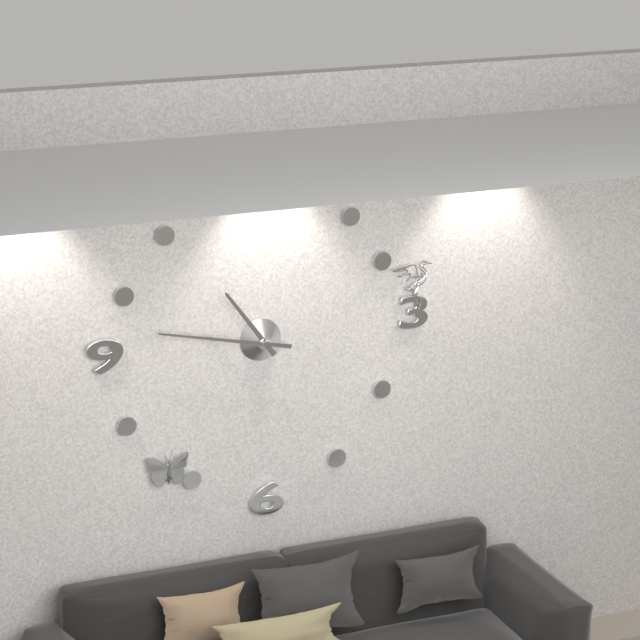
10 h 47 min
